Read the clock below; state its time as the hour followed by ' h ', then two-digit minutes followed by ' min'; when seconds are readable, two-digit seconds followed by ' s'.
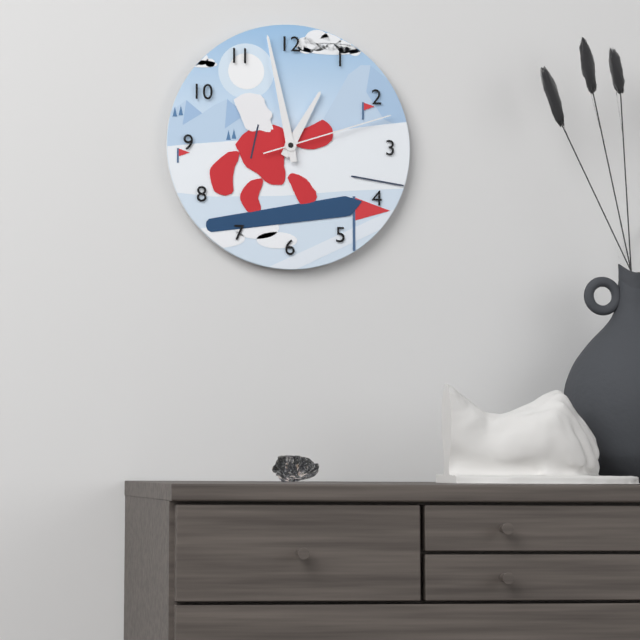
12 h 58 min 12 s
